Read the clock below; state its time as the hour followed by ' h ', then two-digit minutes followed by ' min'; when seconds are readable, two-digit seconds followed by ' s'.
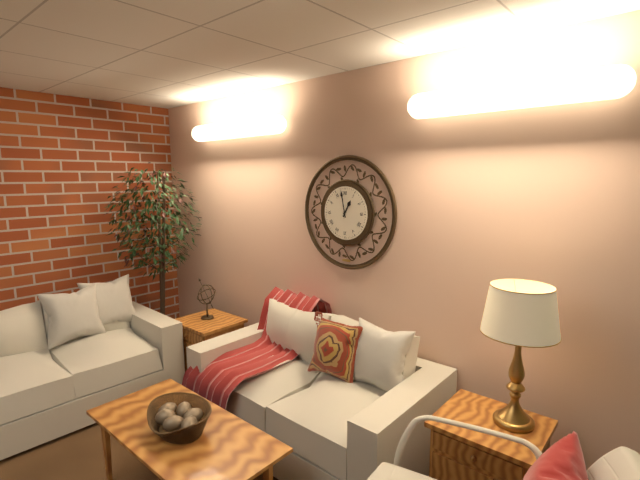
12 h 58 min
